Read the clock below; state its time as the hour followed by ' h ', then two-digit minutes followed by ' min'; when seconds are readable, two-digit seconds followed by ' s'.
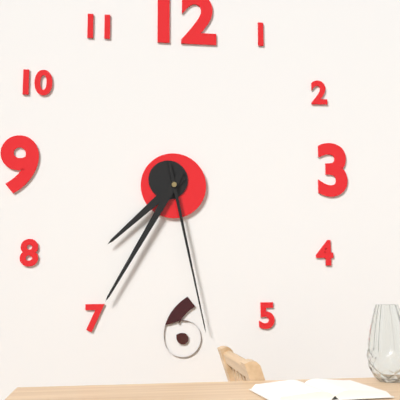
7 h 35 min 28 s
